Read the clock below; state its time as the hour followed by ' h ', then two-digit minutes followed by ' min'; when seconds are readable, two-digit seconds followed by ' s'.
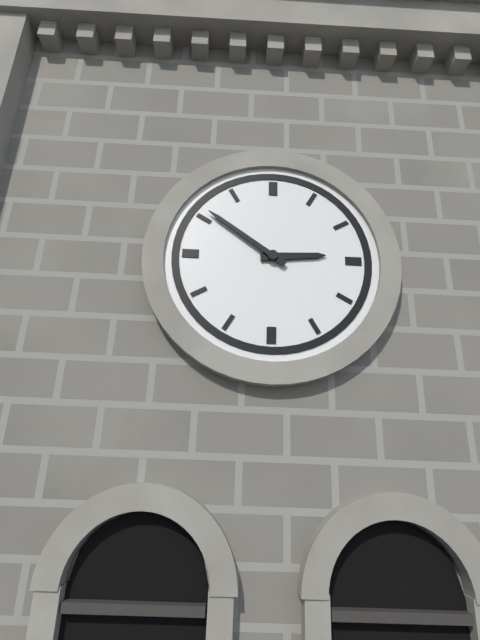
2 h 51 min
